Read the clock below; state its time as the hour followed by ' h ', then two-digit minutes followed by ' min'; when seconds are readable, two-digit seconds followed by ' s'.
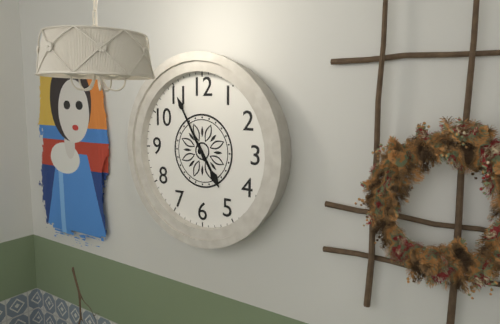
4 h 55 min
